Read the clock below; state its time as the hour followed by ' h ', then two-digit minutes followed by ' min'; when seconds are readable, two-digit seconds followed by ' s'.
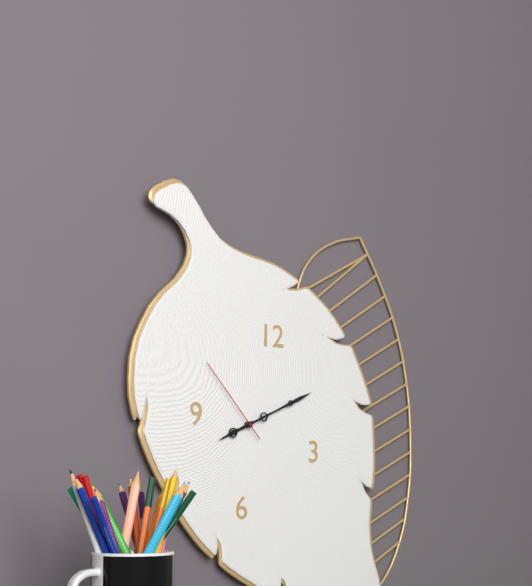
8 h 11 min 53 s
